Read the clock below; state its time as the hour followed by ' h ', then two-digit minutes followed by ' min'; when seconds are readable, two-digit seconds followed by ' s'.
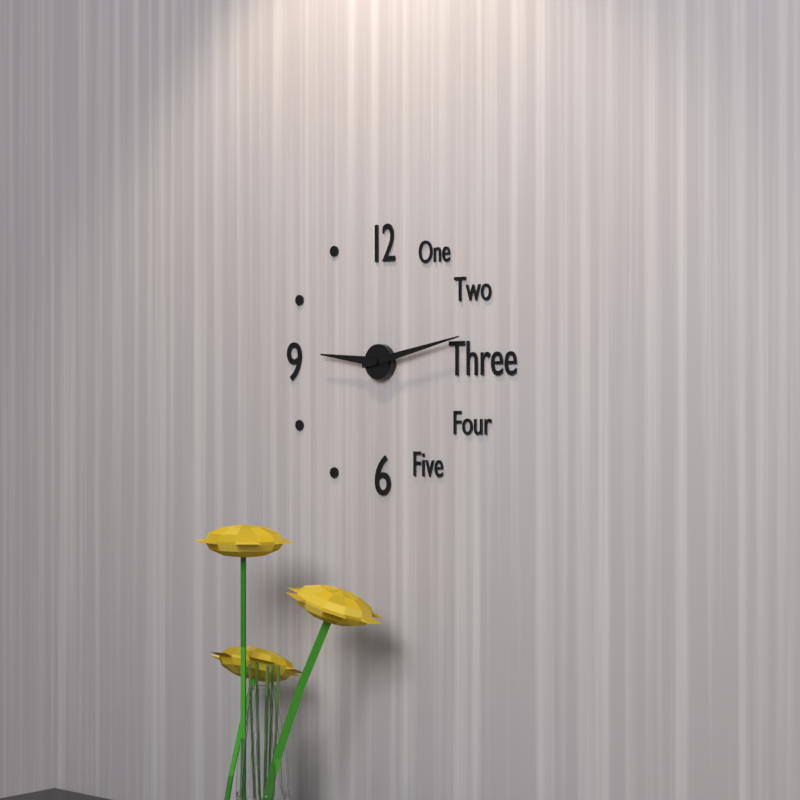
9 h 13 min
